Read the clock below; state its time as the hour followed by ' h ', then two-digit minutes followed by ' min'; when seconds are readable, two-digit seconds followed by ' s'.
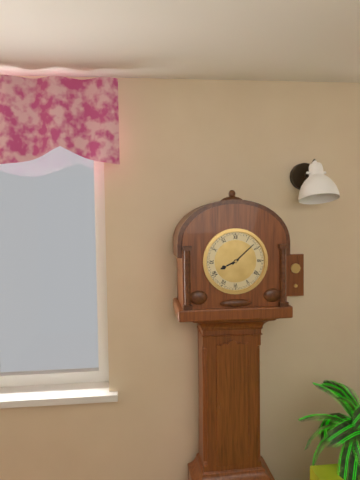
8 h 08 min
